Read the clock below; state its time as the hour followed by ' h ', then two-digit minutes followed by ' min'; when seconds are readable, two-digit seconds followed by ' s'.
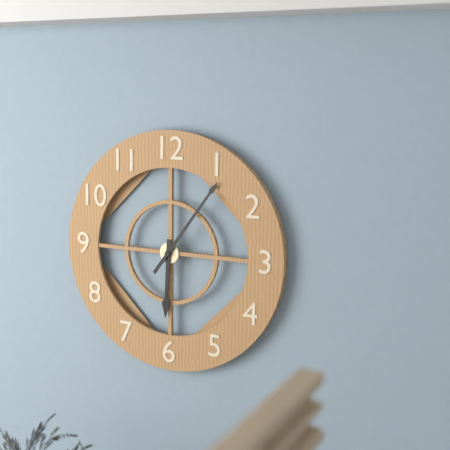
6 h 06 min
